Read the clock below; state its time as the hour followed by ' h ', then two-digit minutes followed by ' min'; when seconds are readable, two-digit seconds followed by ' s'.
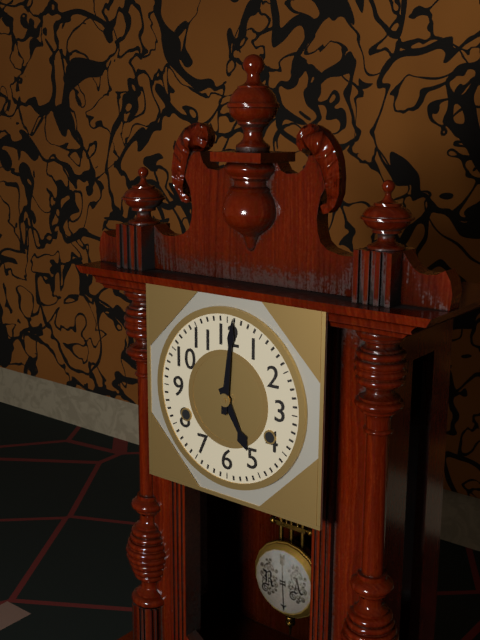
5 h 01 min
